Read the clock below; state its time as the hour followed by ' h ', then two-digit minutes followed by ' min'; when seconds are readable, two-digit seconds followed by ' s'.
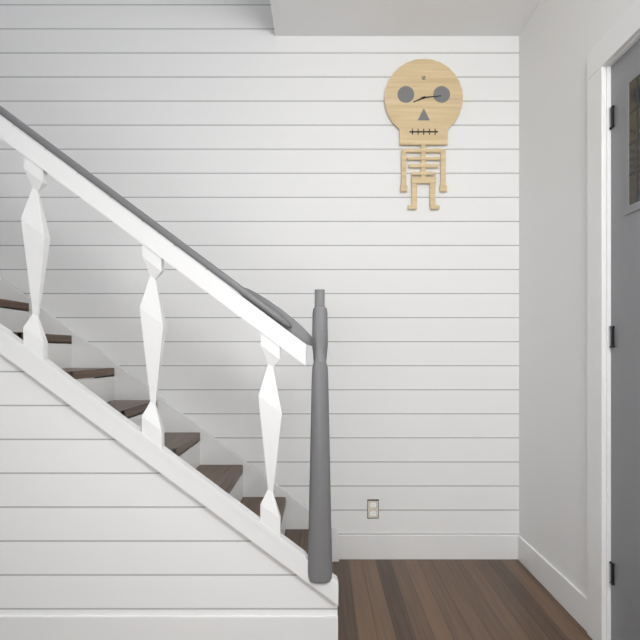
8 h 14 min
